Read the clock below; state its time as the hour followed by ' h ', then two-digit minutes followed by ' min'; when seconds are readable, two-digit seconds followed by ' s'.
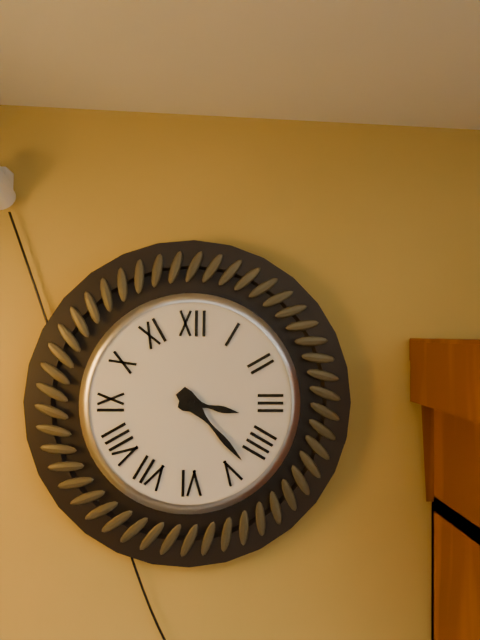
3 h 23 min
